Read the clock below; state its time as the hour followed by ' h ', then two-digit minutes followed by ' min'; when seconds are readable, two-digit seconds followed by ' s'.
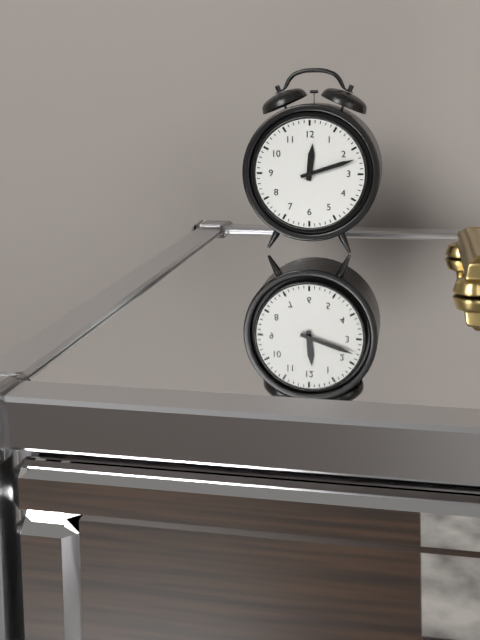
12 h 12 min
